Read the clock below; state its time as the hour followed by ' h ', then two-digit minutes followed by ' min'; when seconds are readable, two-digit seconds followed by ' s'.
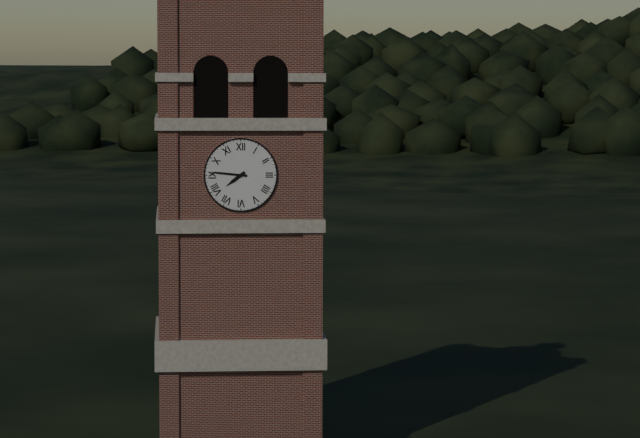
7 h 46 min
